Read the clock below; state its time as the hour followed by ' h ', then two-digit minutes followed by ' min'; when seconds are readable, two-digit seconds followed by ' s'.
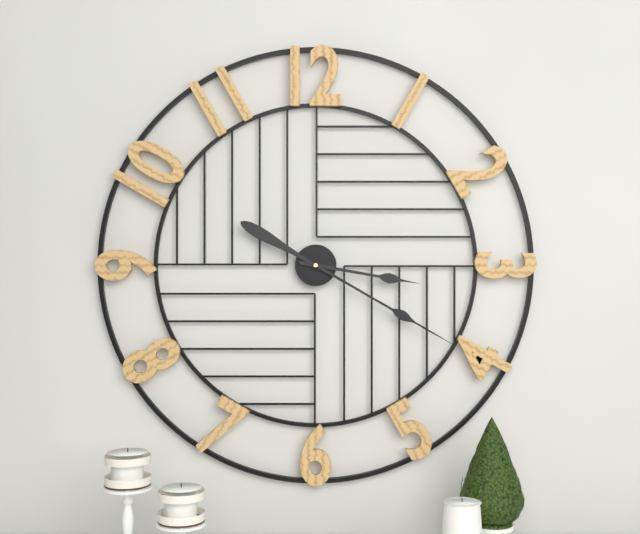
3 h 20 min
